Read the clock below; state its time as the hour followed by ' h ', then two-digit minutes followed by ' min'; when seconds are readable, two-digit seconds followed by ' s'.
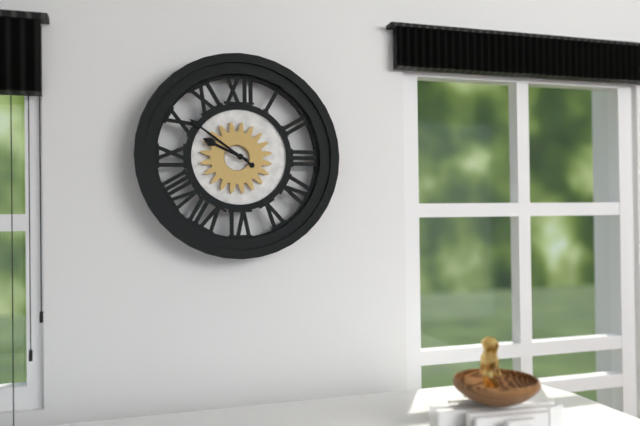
9 h 51 min
